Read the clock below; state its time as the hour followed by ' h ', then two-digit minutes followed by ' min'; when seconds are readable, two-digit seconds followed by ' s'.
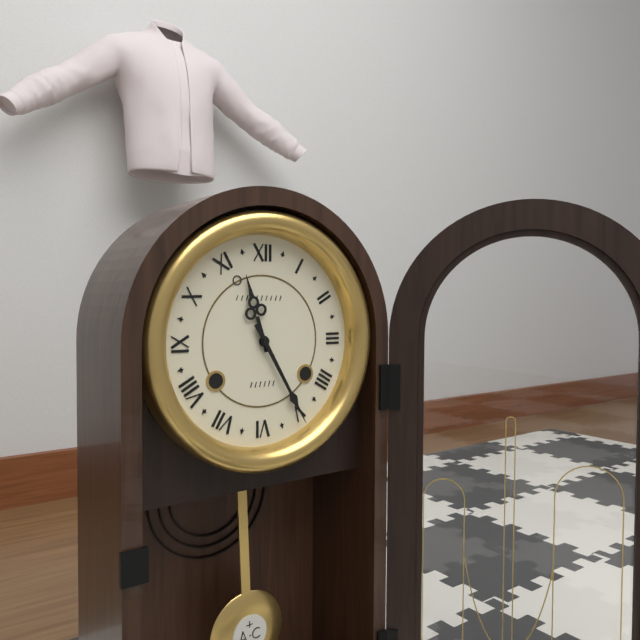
11 h 25 min
